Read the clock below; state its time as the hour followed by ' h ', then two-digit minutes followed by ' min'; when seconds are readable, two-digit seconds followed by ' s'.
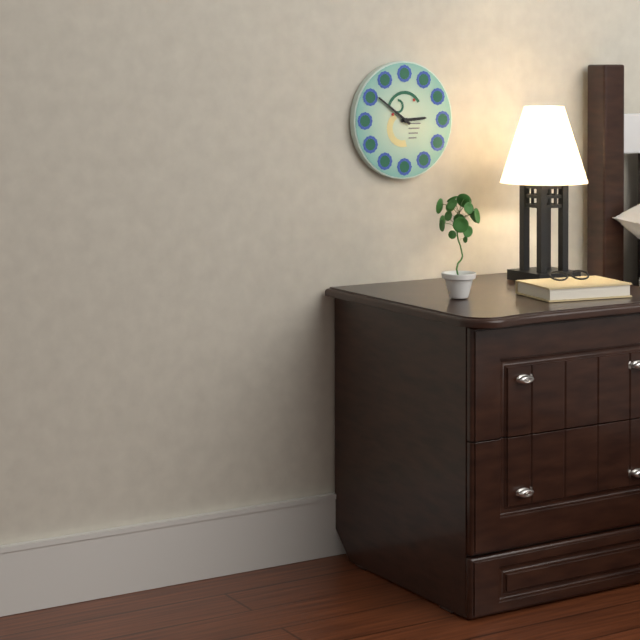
2 h 51 min
